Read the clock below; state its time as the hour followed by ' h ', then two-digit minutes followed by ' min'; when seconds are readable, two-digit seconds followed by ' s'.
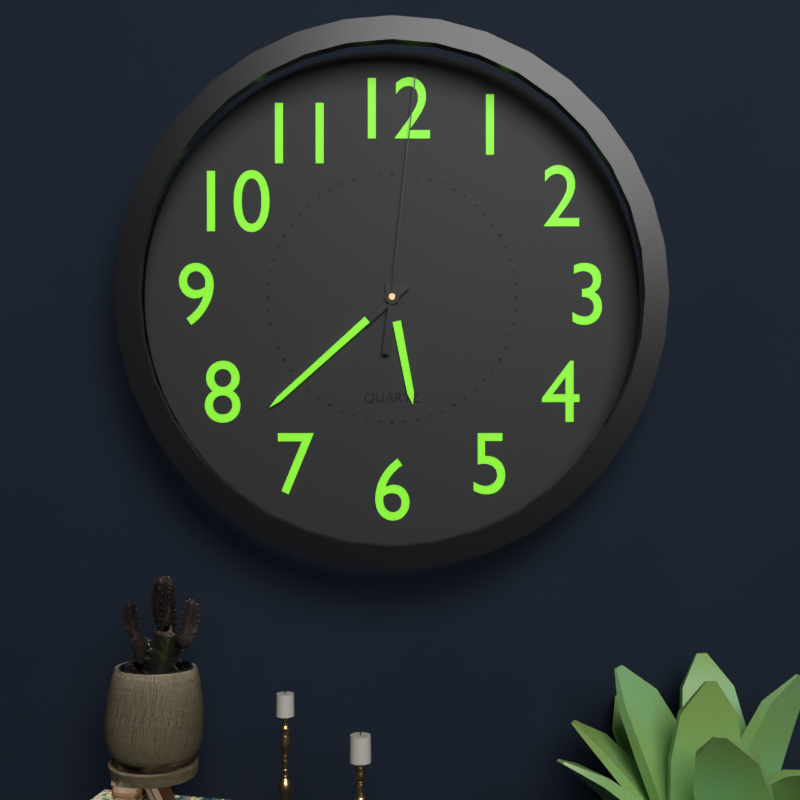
5 h 38 min 01 s
